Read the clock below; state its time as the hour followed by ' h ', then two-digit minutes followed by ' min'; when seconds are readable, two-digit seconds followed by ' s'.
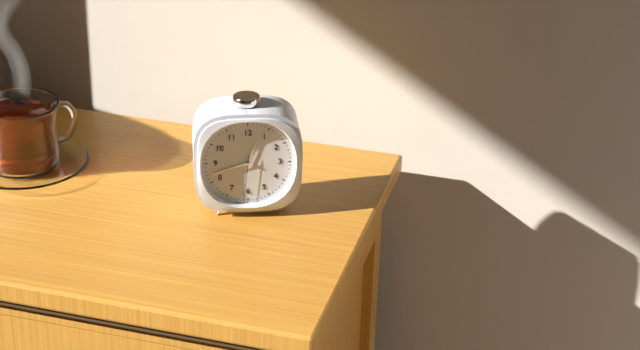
12 h 42 min
